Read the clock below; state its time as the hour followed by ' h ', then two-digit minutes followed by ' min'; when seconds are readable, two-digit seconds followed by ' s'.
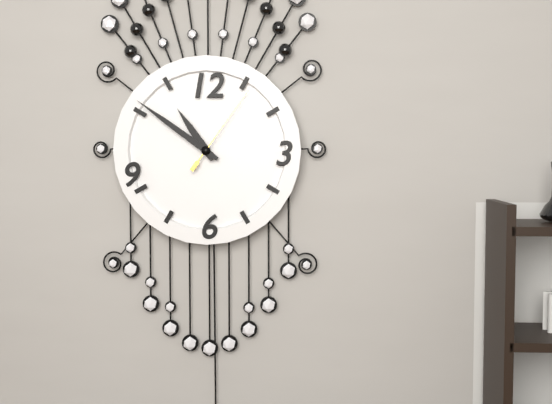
10 h 51 min 06 s
